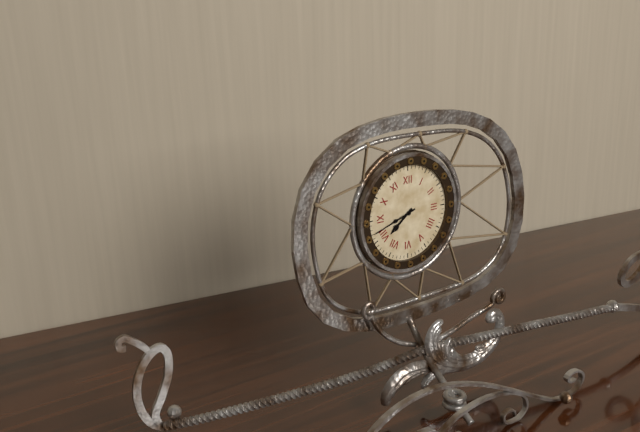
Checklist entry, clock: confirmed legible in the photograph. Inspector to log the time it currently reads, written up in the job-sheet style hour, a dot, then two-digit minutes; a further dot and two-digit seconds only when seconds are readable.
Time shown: 7.42
